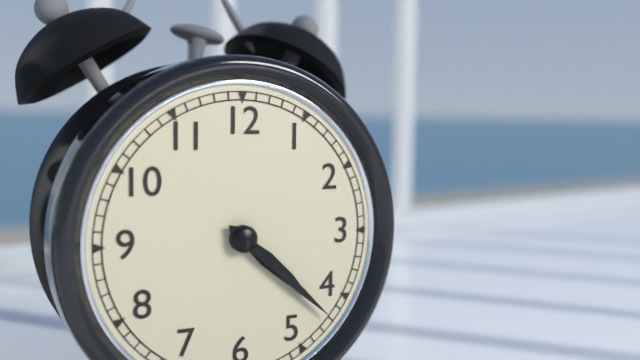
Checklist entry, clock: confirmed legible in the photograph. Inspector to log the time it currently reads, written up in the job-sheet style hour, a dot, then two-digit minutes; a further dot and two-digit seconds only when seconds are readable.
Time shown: 4.22
